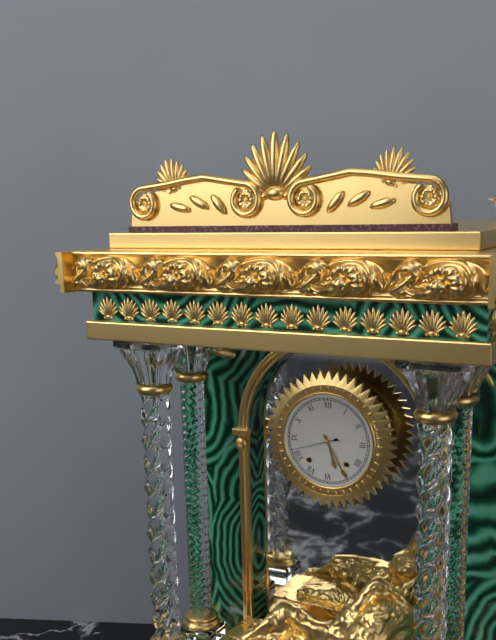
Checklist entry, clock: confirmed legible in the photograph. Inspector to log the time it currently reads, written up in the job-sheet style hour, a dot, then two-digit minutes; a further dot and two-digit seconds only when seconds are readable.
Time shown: 5.25
